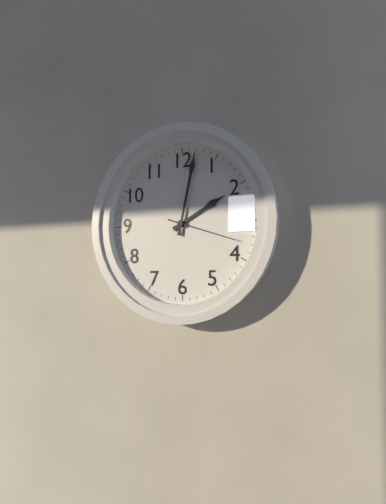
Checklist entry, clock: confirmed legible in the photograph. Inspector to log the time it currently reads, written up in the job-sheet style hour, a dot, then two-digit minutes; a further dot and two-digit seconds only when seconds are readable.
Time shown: 2.02.18
